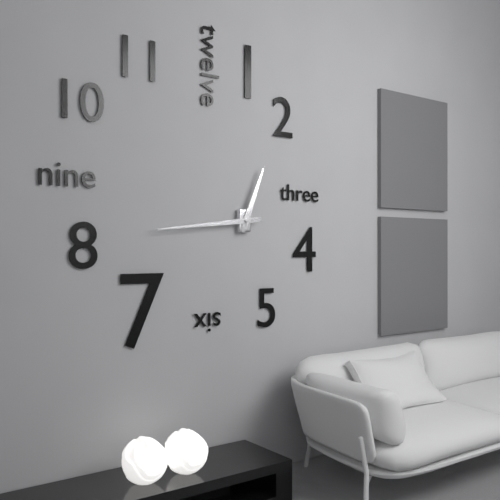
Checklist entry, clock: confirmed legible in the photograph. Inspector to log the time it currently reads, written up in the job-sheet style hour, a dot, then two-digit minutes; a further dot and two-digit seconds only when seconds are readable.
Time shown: 12.44
